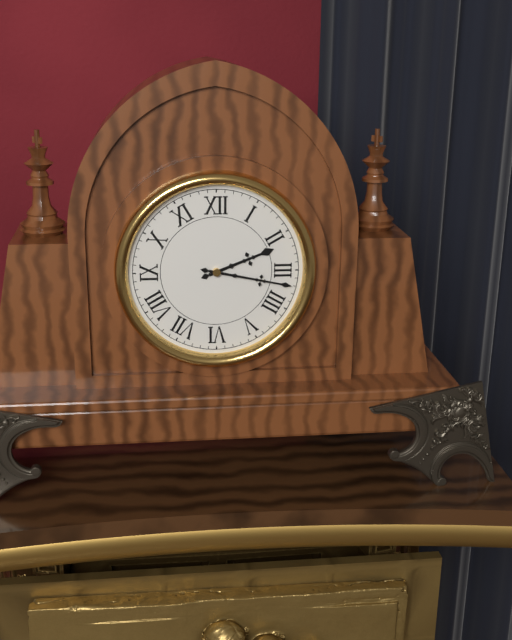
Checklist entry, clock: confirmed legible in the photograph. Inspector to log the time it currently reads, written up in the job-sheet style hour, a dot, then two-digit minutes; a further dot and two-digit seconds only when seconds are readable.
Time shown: 2.17
